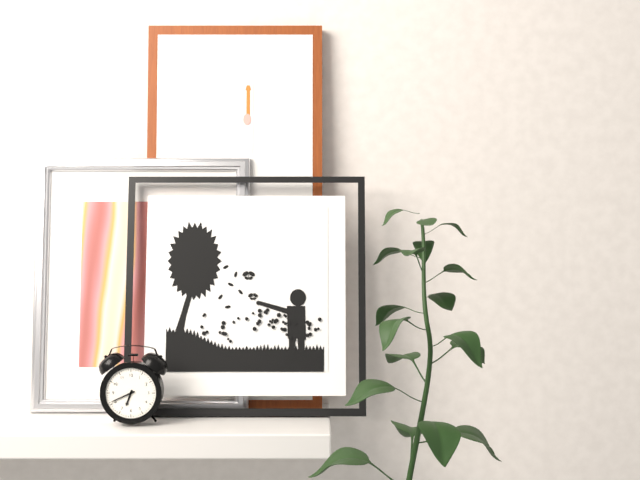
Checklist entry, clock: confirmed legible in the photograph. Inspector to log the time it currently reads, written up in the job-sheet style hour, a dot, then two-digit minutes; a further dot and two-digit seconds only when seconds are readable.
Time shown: 6.41
